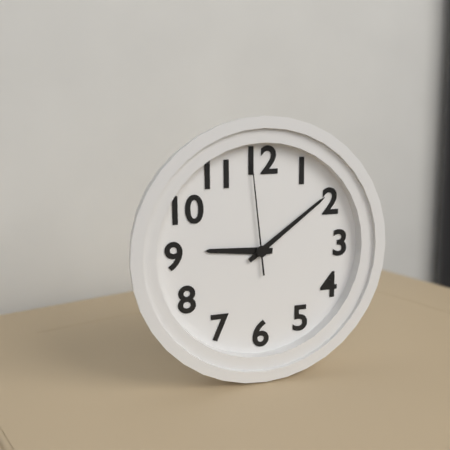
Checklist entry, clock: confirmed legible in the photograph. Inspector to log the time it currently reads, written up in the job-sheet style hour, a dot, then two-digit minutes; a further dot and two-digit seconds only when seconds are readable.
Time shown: 9.09.59
